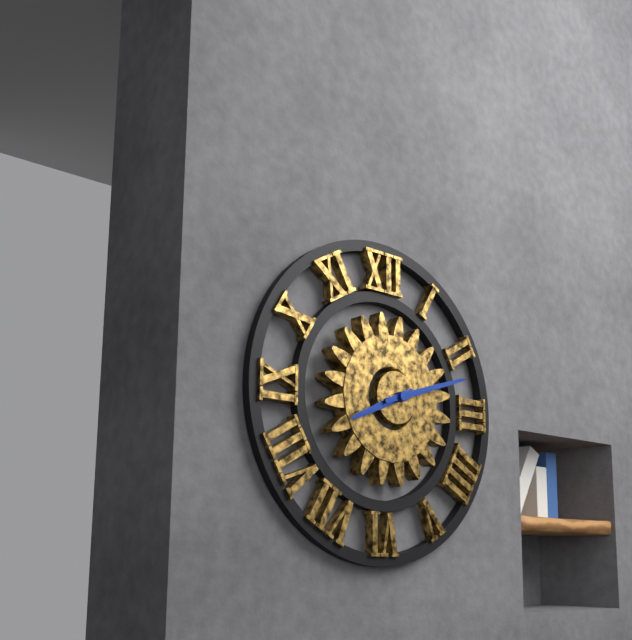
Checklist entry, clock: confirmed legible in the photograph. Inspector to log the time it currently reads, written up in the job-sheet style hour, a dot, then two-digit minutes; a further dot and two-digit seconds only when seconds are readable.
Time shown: 8.12
